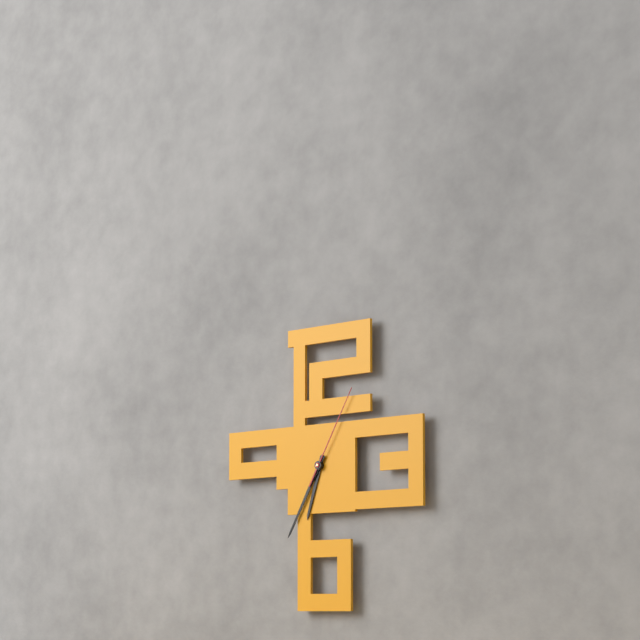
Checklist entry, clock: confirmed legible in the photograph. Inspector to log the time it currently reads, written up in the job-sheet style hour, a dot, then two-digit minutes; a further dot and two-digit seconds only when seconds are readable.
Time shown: 6.35.05
